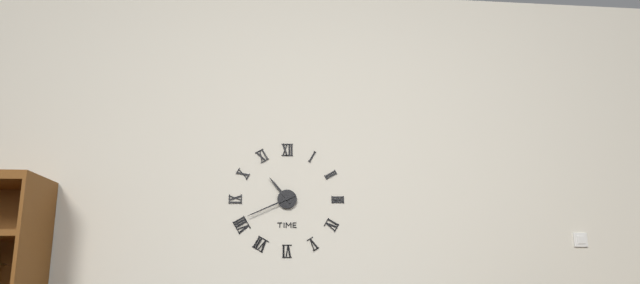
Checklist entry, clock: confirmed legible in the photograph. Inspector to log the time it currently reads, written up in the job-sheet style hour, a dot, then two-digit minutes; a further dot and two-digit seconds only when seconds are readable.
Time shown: 10.41
